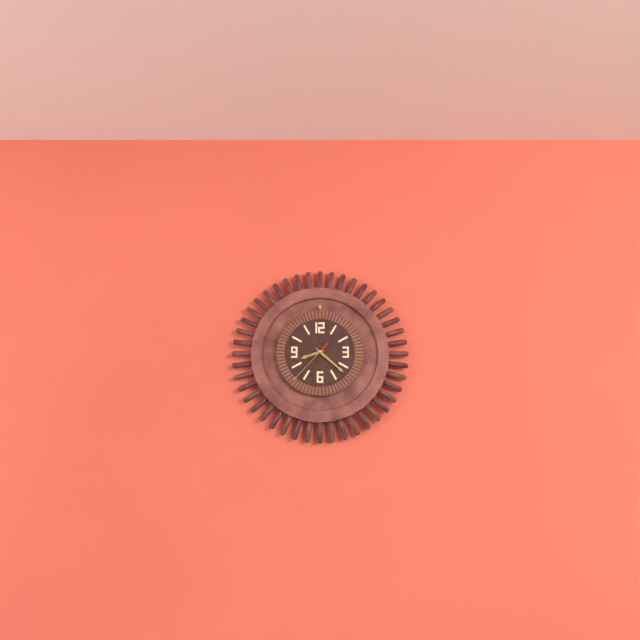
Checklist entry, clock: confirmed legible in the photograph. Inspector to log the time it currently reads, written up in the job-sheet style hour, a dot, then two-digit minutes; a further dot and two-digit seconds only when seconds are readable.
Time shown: 8.22
